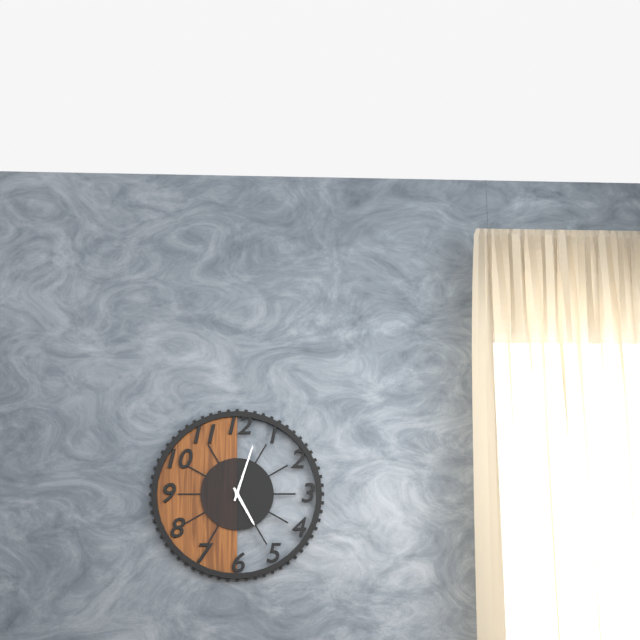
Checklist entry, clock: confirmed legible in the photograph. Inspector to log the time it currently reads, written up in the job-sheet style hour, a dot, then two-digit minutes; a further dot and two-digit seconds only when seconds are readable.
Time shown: 5.03
